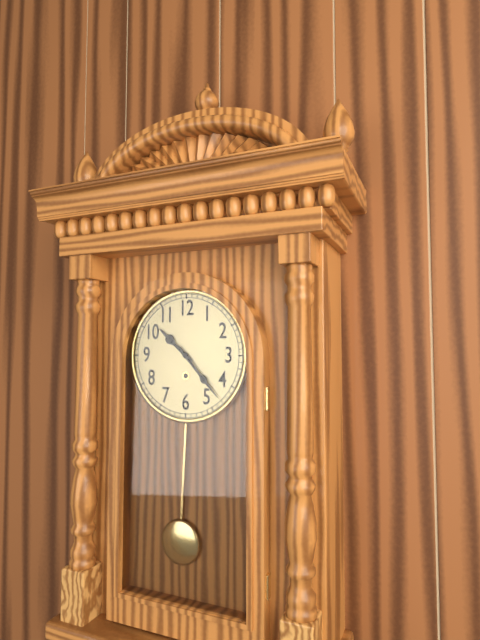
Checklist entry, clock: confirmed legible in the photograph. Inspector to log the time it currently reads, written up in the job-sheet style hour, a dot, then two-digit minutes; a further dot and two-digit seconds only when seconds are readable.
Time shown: 10.23
